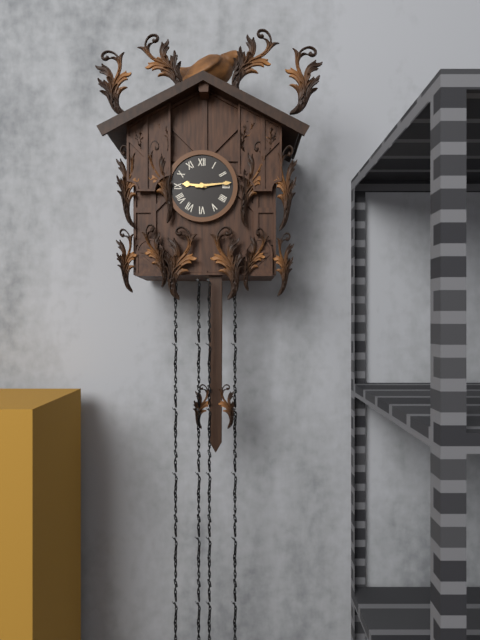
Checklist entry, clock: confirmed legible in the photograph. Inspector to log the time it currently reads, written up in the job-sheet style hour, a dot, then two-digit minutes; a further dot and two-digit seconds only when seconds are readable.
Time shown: 9.14
